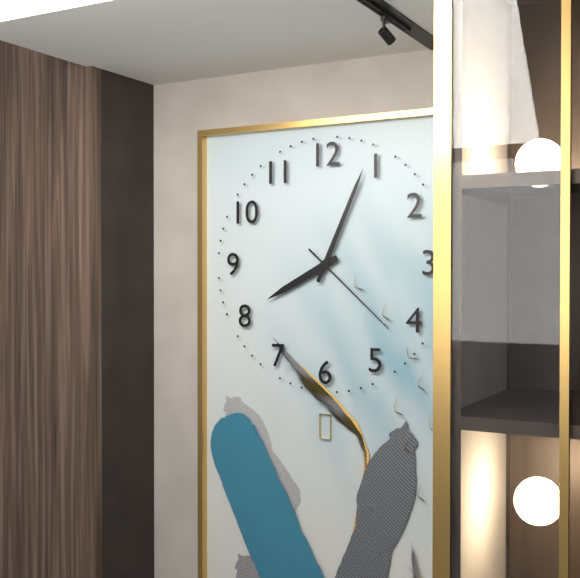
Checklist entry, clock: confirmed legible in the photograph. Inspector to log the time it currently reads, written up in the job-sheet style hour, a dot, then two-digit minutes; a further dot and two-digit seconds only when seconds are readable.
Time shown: 8.04.22
